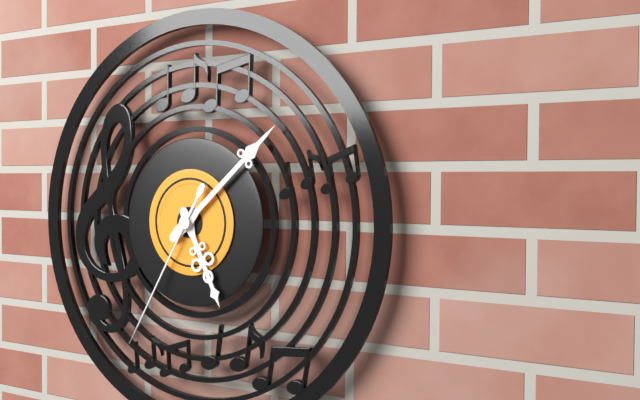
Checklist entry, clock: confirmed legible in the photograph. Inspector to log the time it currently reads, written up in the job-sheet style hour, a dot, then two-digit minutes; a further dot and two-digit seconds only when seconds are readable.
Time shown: 5.08.35
